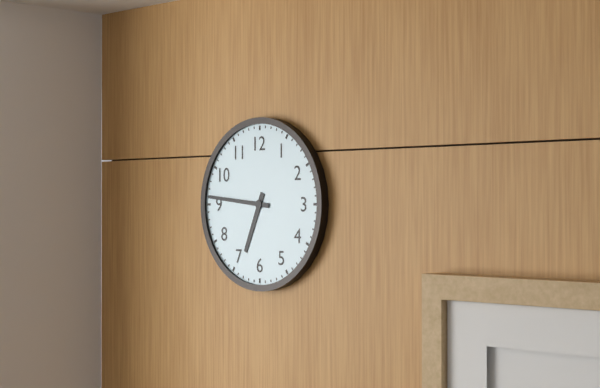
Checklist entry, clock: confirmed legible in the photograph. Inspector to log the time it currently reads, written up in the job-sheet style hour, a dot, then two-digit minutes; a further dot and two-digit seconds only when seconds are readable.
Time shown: 6.46
